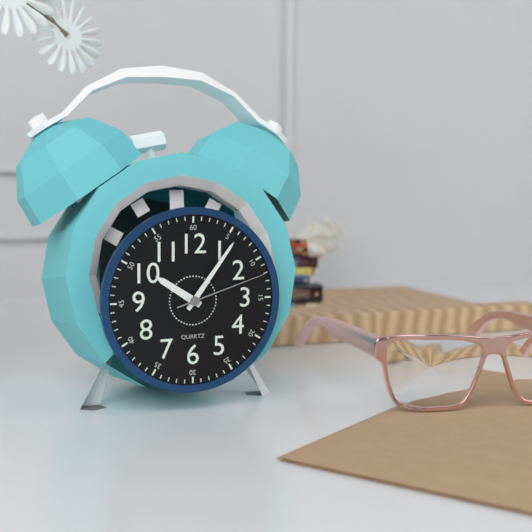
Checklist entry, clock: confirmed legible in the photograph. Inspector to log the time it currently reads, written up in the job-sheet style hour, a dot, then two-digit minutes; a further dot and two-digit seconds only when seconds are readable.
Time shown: 10.06.12
